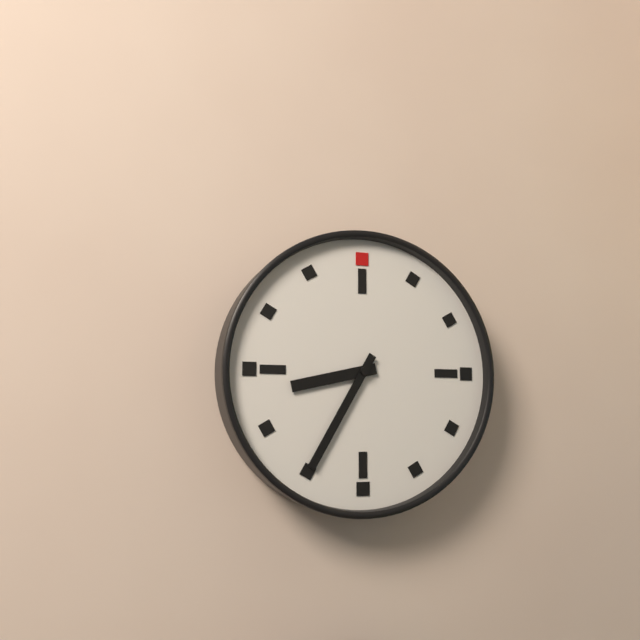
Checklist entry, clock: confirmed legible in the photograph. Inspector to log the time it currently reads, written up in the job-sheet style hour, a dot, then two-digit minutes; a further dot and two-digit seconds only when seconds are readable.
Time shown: 8.35
